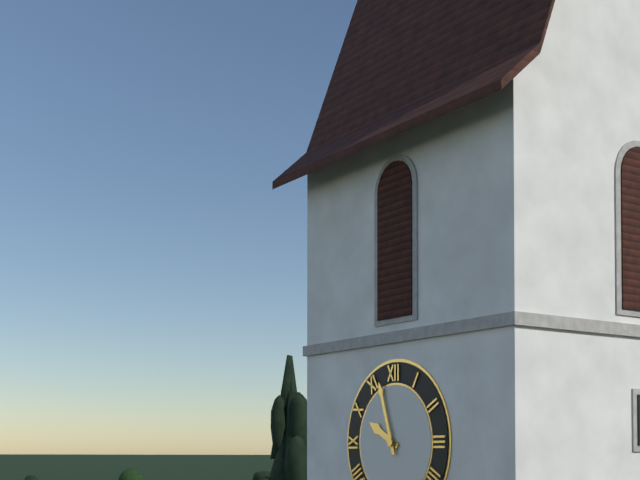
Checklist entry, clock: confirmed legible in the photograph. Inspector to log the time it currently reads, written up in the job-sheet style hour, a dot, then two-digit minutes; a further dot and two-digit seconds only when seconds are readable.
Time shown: 9.57
